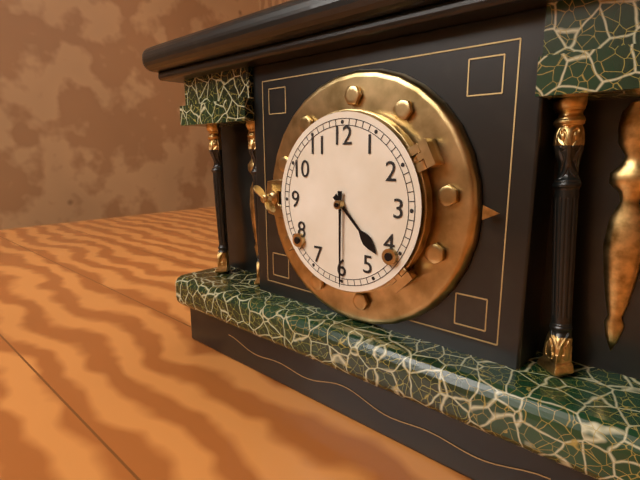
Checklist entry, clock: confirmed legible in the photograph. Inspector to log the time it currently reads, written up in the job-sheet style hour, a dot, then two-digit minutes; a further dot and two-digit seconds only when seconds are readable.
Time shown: 4.30
